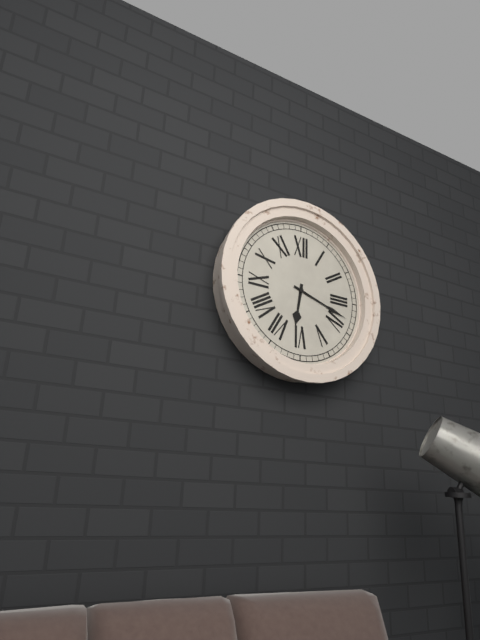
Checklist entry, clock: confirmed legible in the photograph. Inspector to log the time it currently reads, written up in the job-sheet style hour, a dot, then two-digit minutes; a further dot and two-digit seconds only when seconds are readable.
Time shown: 6.18
